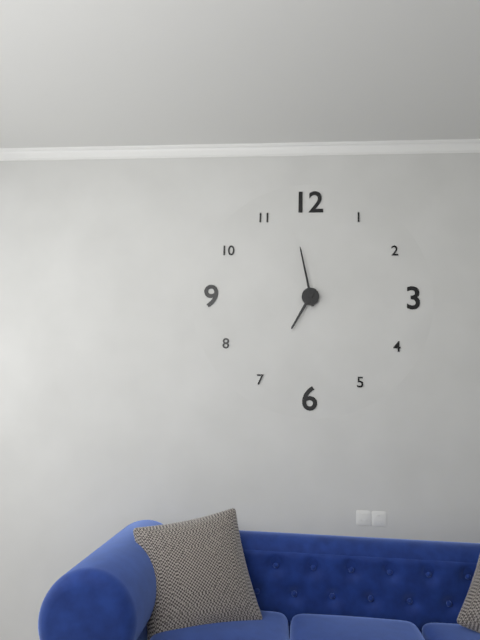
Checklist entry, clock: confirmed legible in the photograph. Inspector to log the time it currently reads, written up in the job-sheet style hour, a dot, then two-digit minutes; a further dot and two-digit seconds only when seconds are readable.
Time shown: 6.58
